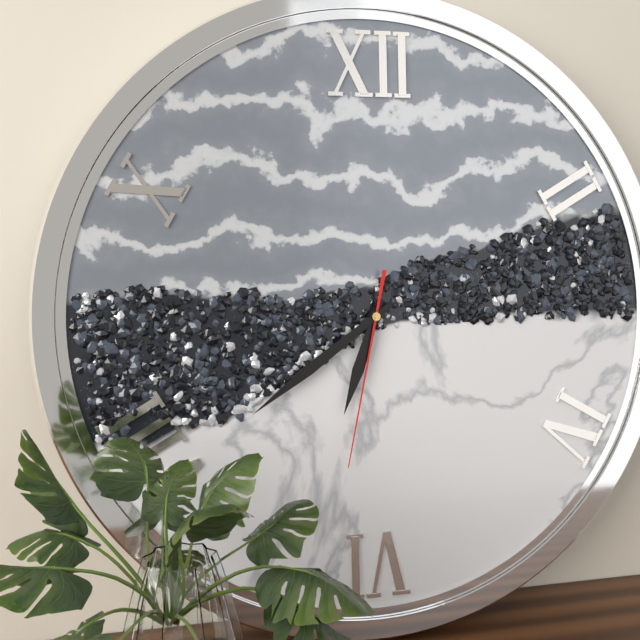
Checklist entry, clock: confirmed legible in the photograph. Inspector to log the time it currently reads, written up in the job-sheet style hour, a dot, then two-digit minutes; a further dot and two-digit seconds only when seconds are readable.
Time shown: 6.39.32
